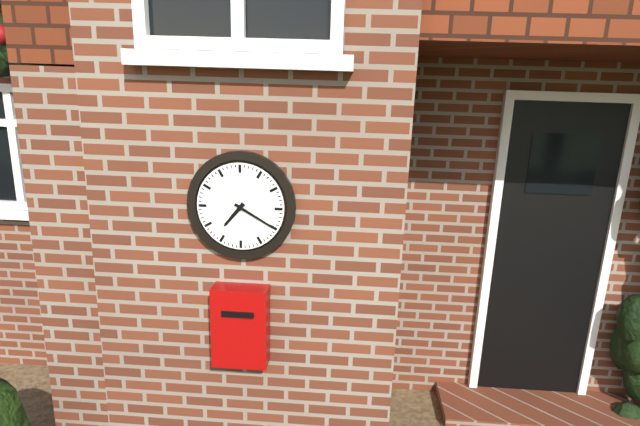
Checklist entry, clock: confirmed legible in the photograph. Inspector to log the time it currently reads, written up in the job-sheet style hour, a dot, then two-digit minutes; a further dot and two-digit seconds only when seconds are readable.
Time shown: 7.20
